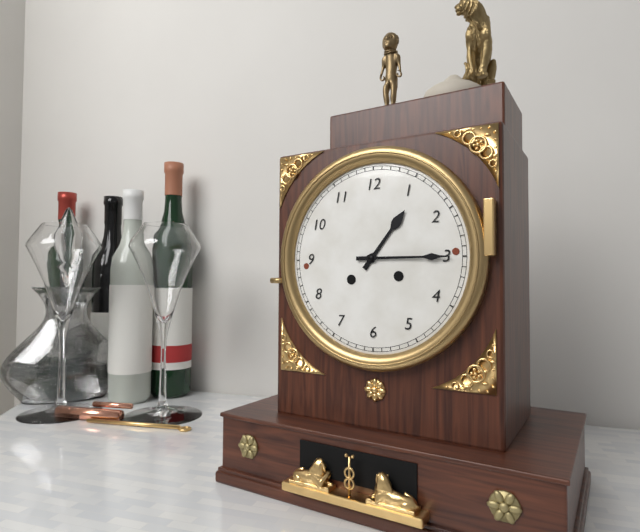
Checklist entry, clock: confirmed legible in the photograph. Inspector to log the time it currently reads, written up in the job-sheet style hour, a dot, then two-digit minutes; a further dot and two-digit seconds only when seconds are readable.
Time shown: 1.15
